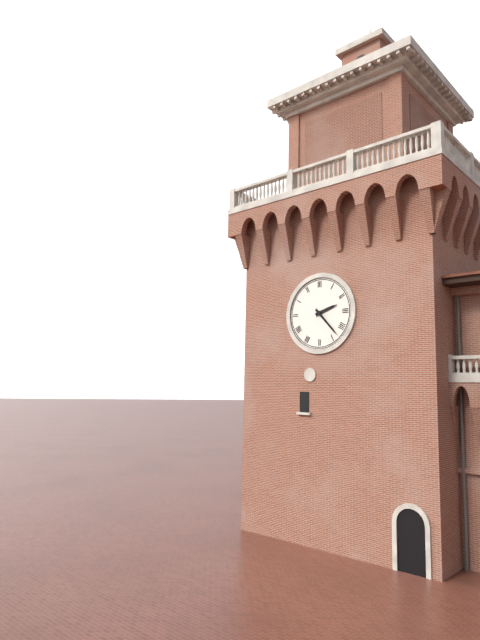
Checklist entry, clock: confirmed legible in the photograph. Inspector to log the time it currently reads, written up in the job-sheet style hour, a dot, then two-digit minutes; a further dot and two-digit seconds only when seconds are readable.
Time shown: 2.23
